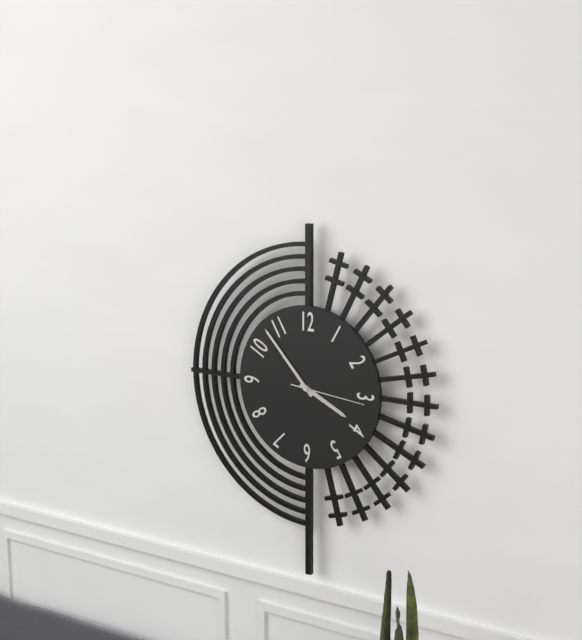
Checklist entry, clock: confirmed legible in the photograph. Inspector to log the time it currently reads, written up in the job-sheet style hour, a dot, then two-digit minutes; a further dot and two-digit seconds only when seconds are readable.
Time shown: 3.53.16
